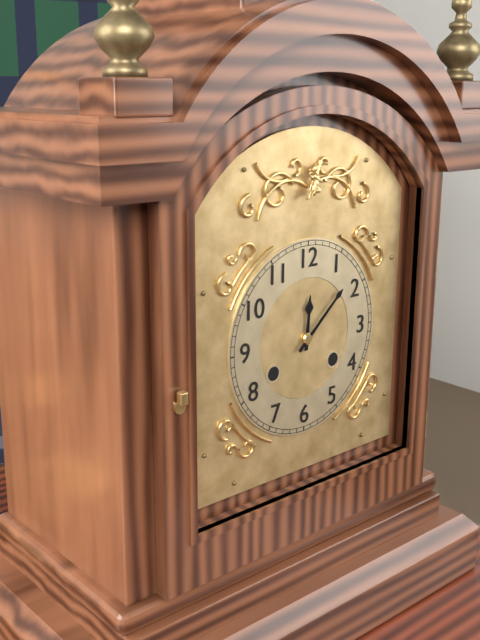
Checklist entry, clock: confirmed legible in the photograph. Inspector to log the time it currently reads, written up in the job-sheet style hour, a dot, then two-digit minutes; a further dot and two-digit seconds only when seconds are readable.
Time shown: 12.08
